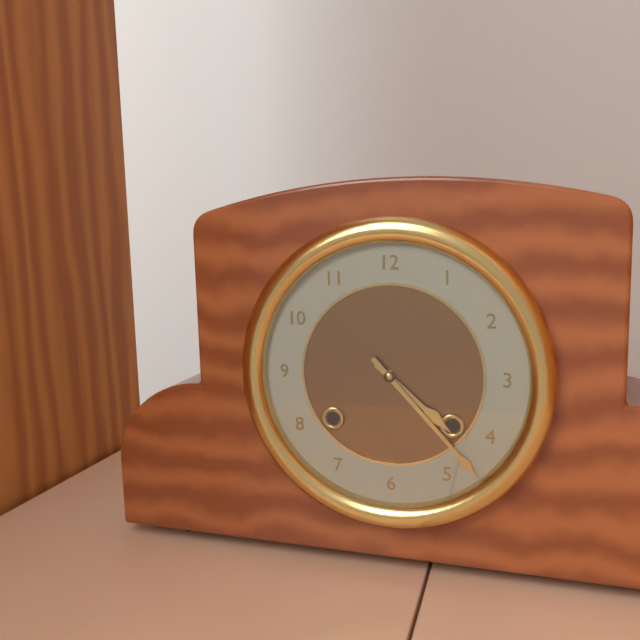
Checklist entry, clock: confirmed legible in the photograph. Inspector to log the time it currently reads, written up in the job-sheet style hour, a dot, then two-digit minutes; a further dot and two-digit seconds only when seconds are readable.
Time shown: 4.23
